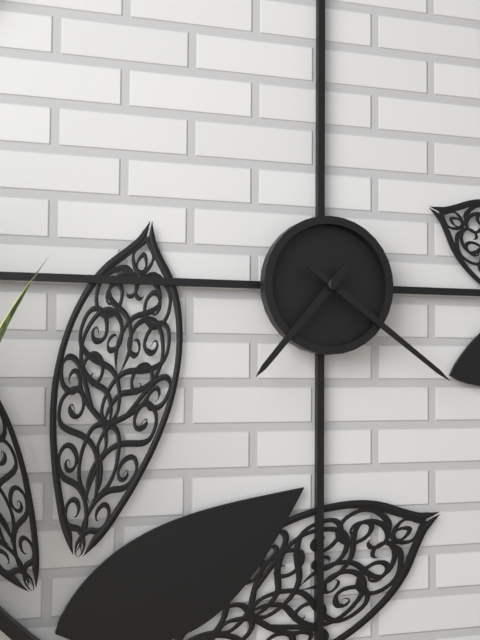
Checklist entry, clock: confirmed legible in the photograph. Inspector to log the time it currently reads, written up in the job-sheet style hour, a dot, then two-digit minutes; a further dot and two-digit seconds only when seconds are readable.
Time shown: 7.21
